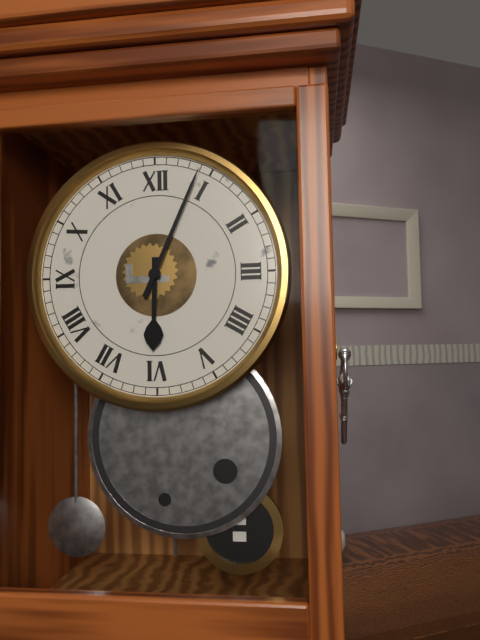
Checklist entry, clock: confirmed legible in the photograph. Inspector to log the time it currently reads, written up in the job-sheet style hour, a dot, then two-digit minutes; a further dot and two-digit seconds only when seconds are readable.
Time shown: 6.04
